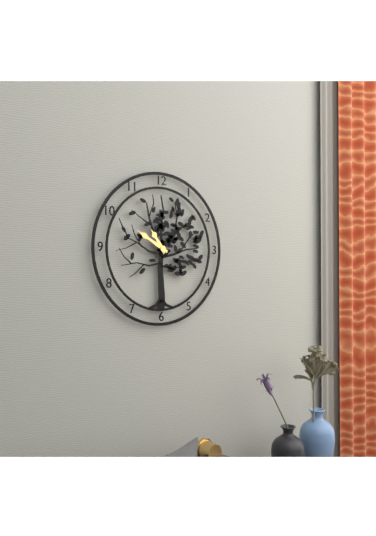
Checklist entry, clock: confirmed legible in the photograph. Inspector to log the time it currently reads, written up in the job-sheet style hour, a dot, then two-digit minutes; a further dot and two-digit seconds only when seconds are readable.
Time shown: 10.50
